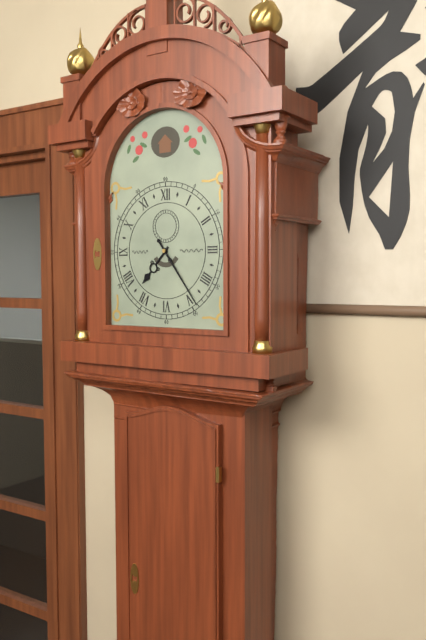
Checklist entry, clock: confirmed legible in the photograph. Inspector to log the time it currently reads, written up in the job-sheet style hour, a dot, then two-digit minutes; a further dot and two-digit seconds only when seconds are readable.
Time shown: 7.24
